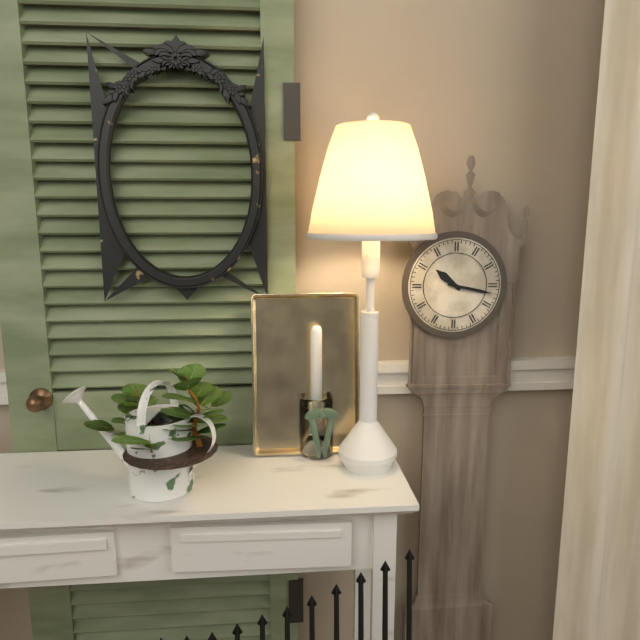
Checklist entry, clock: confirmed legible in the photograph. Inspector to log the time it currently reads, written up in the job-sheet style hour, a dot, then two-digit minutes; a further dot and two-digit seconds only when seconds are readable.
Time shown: 10.17
